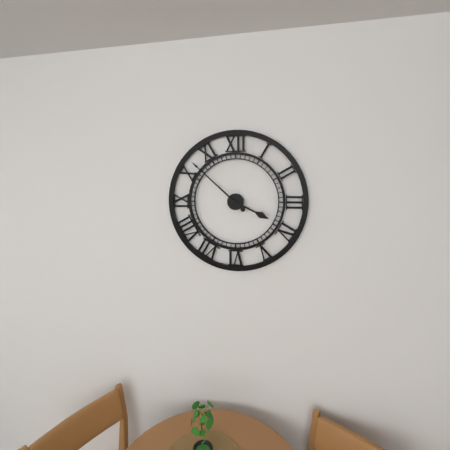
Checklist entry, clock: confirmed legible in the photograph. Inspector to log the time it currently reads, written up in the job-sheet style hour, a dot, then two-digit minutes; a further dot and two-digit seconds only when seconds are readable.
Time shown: 3.52
